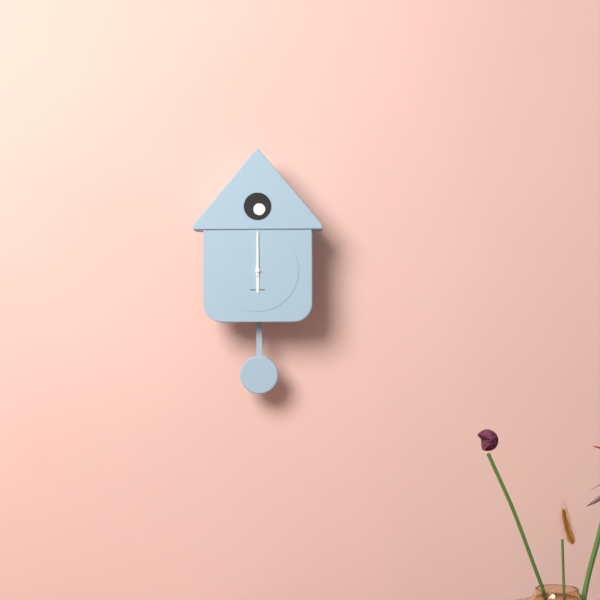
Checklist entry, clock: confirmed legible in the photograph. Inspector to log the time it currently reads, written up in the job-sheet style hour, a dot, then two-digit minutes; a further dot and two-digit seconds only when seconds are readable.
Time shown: 6.00
